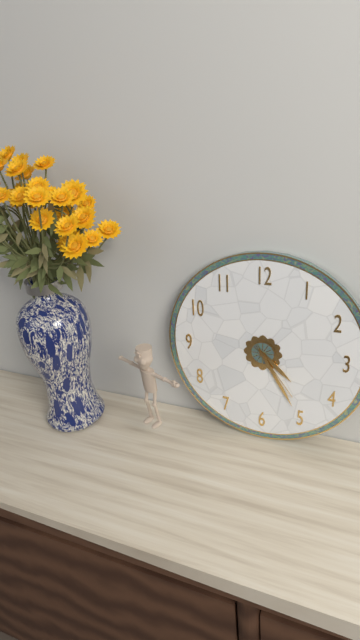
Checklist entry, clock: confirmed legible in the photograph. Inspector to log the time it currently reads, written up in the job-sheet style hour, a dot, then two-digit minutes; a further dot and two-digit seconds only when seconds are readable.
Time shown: 4.25.24
